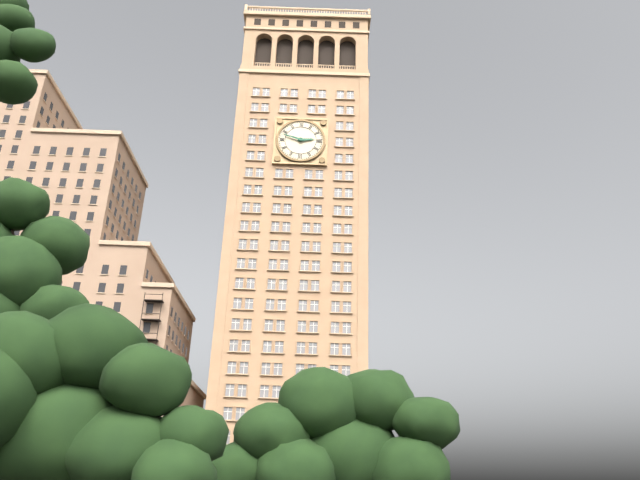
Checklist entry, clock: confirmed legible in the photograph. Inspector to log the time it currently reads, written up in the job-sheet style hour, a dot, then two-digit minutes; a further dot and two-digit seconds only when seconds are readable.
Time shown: 2.48
